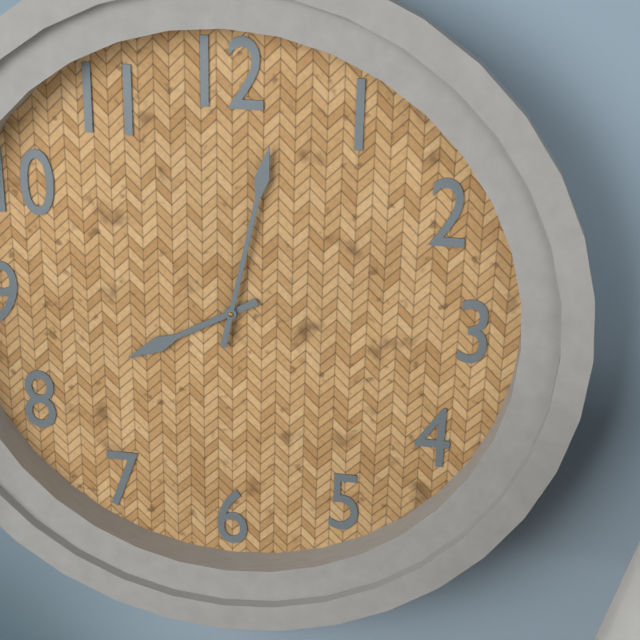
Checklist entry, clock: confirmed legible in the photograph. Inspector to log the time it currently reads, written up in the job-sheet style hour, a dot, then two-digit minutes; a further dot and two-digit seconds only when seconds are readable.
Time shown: 8.02
